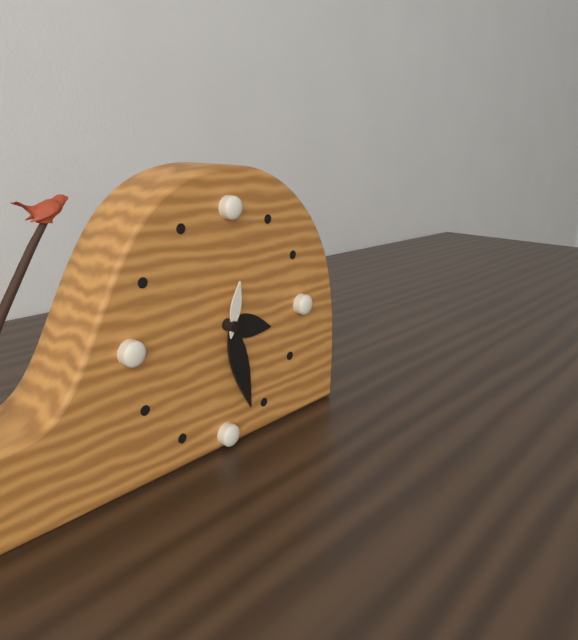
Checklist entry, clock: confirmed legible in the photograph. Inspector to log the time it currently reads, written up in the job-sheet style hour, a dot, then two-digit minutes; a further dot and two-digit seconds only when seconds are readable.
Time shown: 3.27.02
